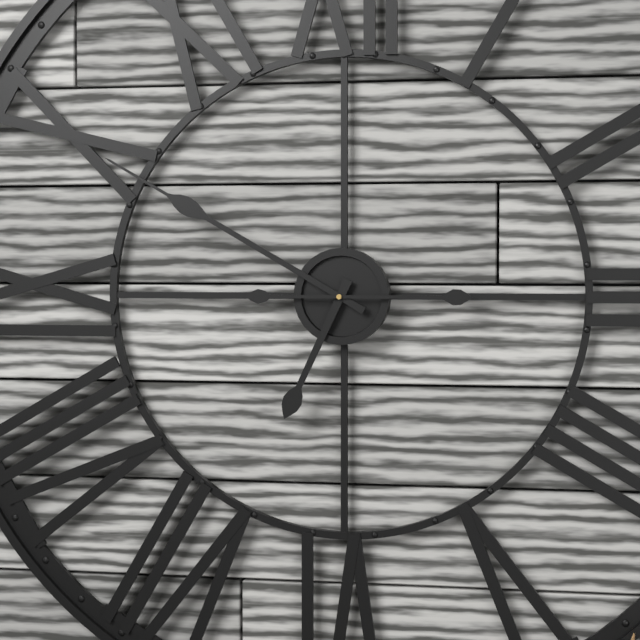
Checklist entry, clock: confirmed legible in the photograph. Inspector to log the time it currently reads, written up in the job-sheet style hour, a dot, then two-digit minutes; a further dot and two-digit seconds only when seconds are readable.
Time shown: 6.50.15
